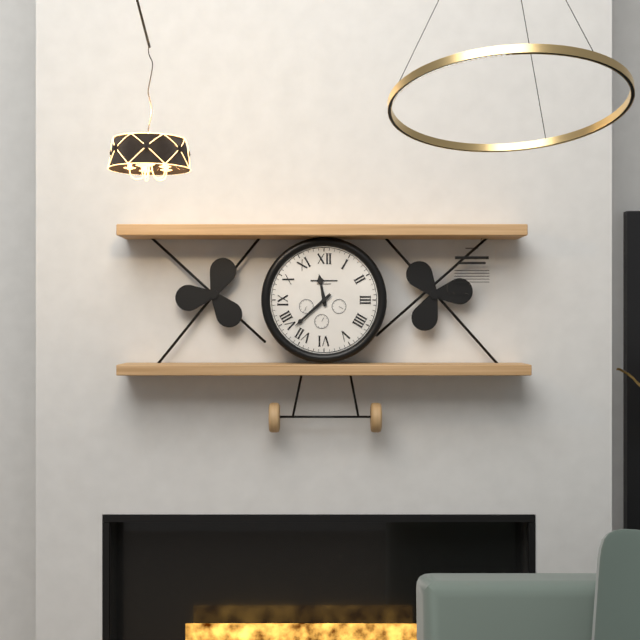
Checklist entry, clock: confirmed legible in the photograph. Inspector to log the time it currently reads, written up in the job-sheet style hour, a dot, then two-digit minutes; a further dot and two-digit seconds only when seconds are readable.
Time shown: 11.38
